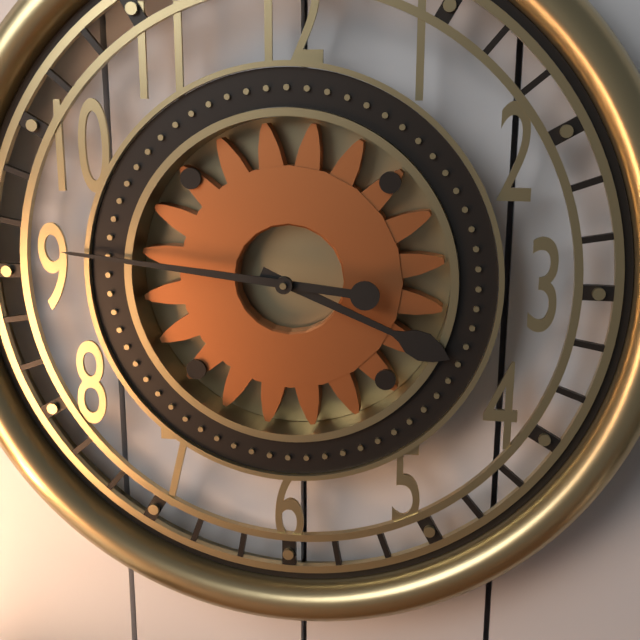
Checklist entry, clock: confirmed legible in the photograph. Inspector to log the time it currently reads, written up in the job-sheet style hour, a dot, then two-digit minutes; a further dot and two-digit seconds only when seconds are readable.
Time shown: 3.46
